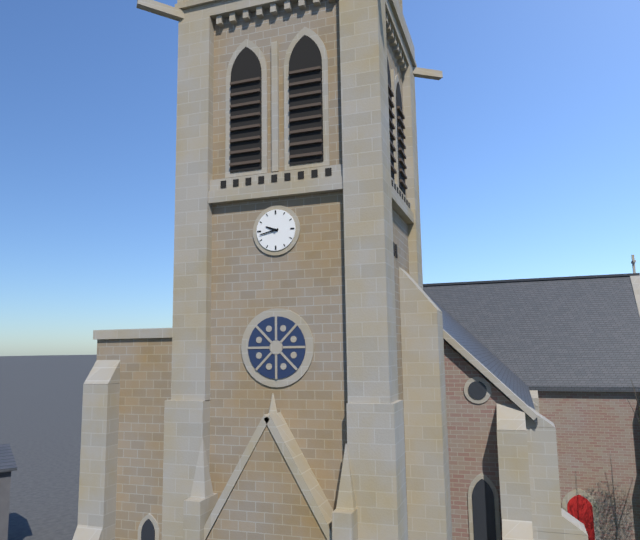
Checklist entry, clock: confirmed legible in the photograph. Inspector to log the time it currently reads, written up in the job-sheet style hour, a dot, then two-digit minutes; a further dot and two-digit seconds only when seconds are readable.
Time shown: 9.43
